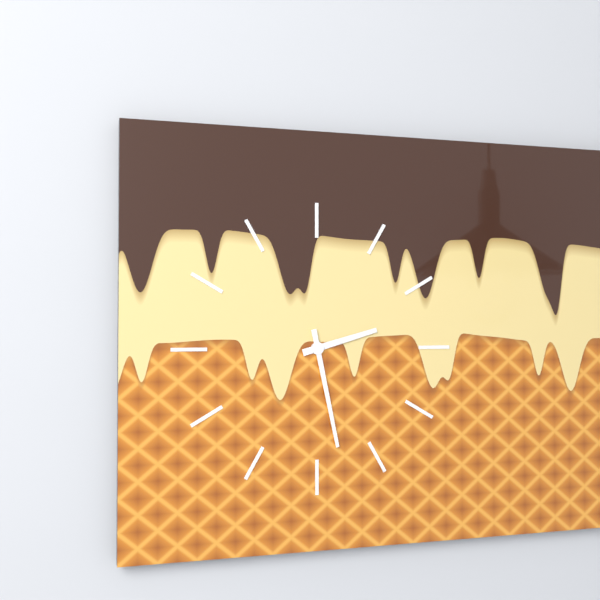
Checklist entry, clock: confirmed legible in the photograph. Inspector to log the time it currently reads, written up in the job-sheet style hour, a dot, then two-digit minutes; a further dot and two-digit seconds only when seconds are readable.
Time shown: 2.28
